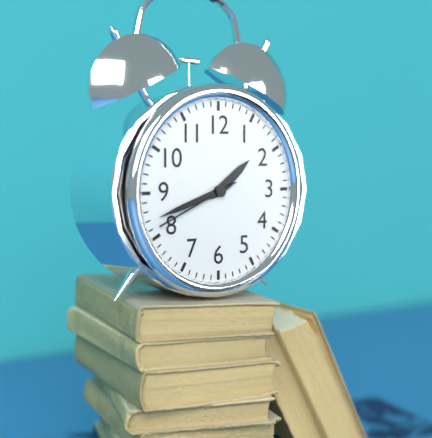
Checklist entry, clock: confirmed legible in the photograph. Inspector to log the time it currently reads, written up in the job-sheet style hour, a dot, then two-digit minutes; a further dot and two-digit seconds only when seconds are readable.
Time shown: 1.42.41
